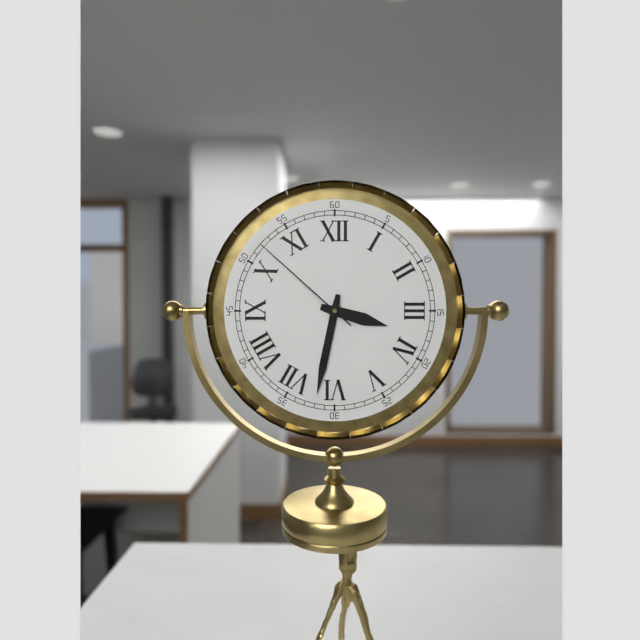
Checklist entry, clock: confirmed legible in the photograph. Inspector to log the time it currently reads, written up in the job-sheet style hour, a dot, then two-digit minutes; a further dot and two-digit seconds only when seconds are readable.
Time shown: 3.32.52
